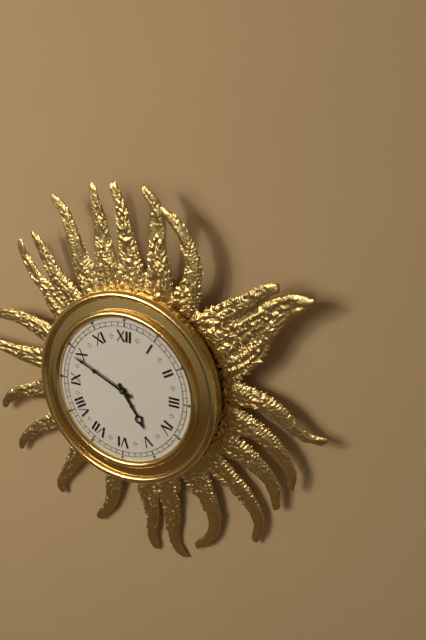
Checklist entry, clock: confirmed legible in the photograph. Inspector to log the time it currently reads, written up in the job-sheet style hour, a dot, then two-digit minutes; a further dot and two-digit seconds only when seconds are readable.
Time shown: 4.49
